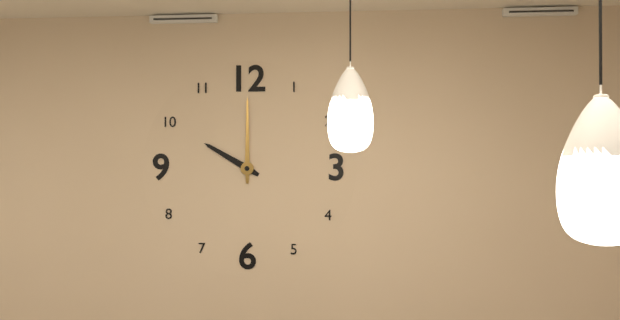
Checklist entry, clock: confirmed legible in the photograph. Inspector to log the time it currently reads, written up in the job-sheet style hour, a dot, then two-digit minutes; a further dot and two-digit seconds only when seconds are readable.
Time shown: 10.00
